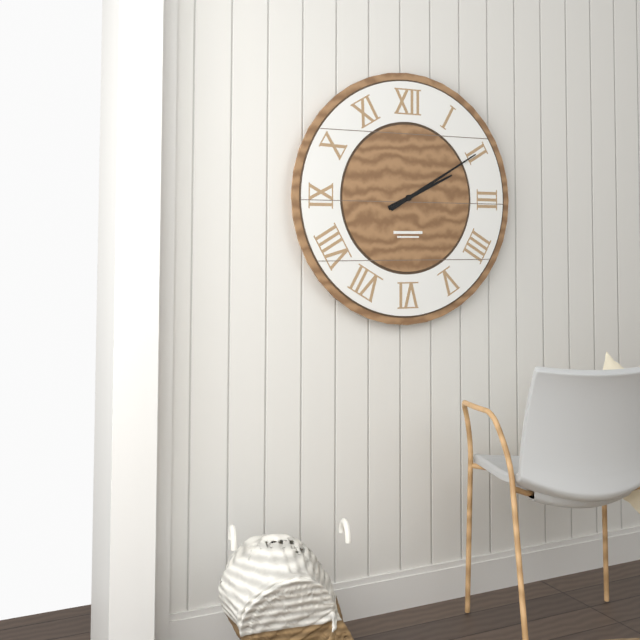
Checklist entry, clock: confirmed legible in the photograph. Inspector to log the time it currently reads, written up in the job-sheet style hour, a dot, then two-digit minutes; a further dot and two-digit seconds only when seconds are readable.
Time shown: 2.10
